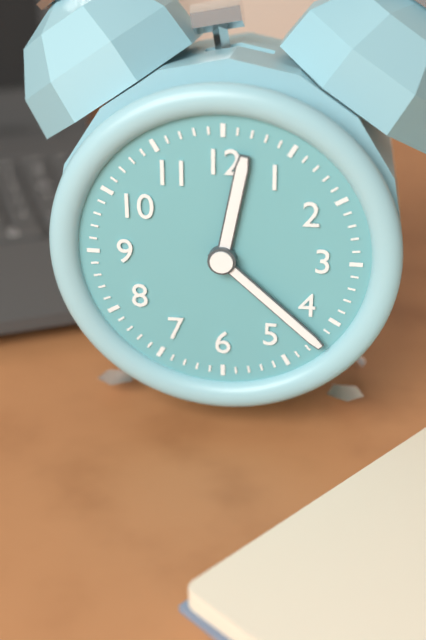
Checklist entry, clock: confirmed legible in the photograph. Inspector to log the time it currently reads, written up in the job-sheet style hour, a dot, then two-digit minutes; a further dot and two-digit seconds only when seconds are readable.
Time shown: 12.22
